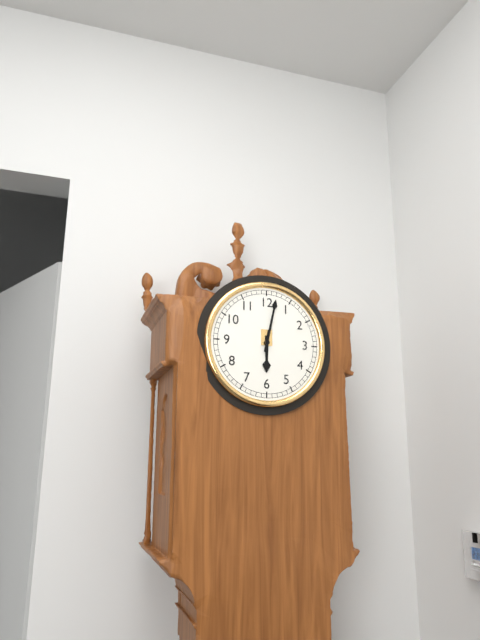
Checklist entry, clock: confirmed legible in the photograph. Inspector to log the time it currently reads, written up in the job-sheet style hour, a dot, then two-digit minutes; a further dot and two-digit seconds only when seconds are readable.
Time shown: 6.02
